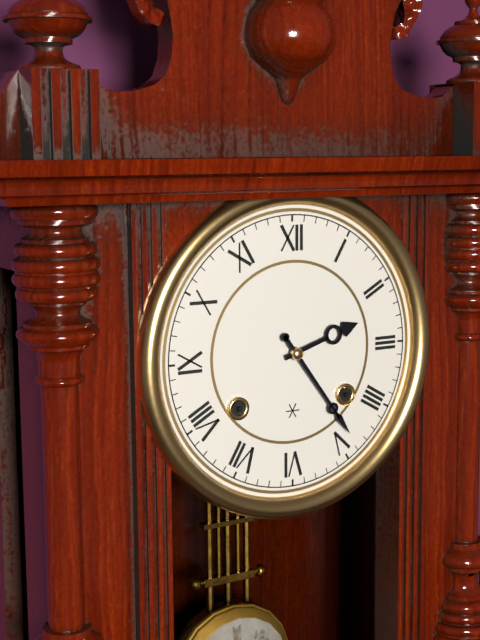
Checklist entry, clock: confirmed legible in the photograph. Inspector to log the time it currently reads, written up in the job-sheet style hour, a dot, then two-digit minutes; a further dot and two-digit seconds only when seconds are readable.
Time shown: 2.24
